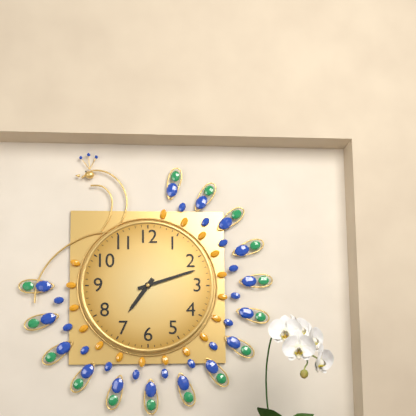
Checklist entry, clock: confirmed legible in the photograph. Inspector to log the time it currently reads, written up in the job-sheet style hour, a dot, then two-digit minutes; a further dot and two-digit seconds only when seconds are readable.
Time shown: 7.12
